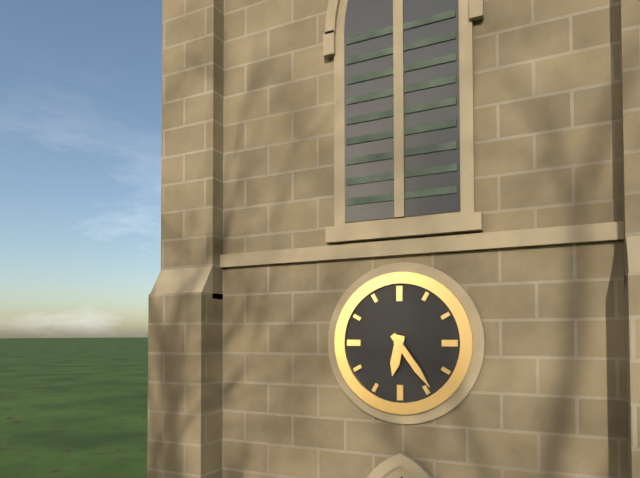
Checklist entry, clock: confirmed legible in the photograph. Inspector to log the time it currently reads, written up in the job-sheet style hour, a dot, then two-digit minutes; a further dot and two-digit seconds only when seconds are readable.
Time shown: 6.24
